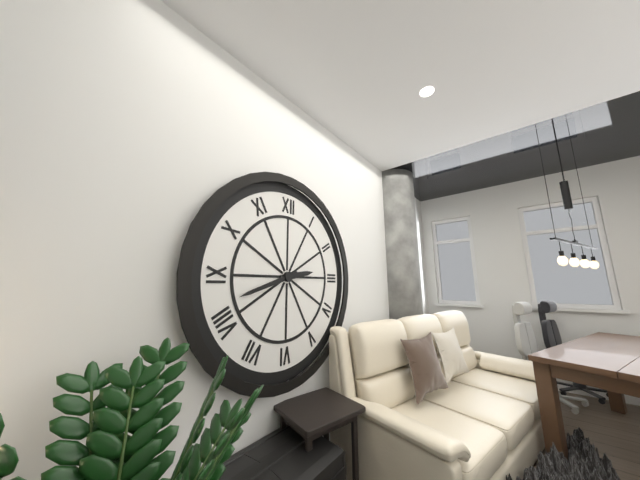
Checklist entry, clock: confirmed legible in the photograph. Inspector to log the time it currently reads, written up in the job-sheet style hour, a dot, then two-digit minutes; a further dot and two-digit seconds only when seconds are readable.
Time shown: 2.42
